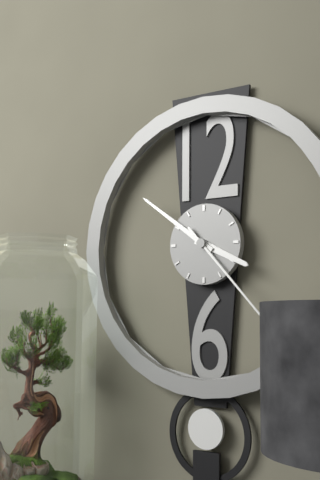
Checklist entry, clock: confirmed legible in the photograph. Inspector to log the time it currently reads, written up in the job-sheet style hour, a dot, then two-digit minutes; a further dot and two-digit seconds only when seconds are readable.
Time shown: 3.51.23
